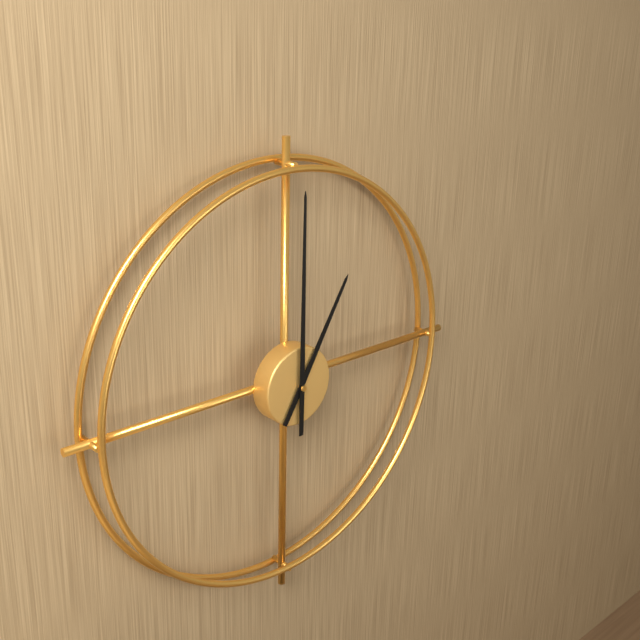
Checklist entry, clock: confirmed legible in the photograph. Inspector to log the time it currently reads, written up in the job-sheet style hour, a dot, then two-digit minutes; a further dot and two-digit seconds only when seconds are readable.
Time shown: 1.00
